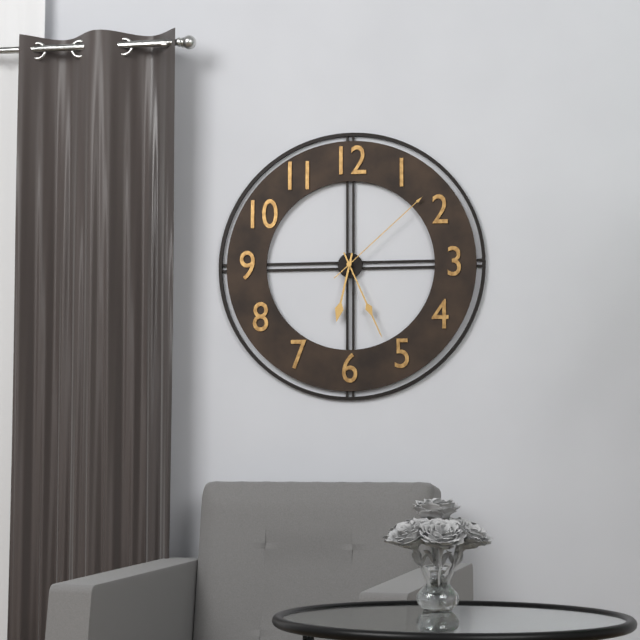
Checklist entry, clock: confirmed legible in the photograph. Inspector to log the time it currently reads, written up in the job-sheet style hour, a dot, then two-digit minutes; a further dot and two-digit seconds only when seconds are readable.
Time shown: 6.26.08
